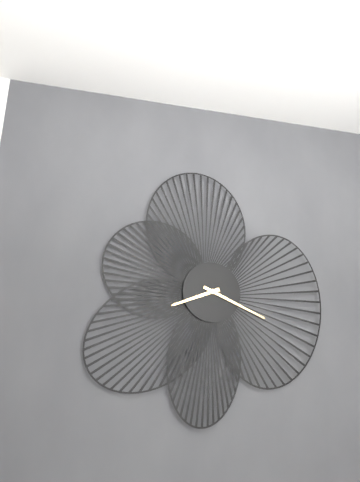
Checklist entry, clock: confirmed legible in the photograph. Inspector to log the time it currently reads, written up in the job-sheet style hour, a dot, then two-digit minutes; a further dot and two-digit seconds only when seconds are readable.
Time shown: 8.19
